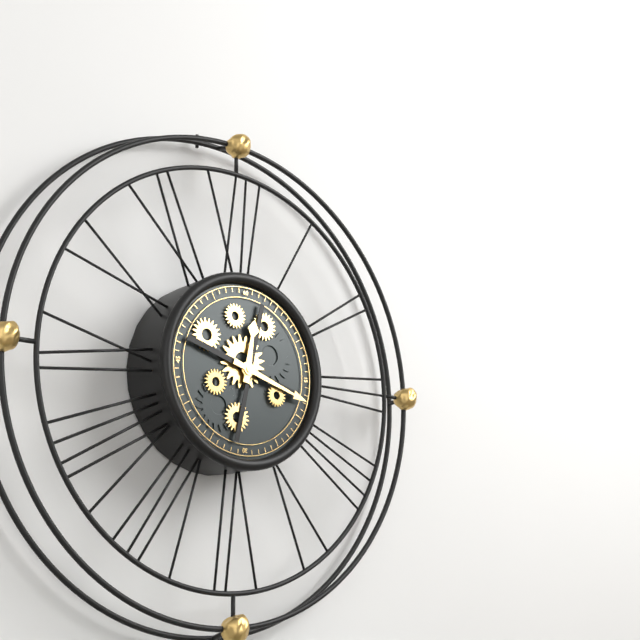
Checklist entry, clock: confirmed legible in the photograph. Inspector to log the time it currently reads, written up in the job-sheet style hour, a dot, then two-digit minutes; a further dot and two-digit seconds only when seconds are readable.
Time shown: 12.18
